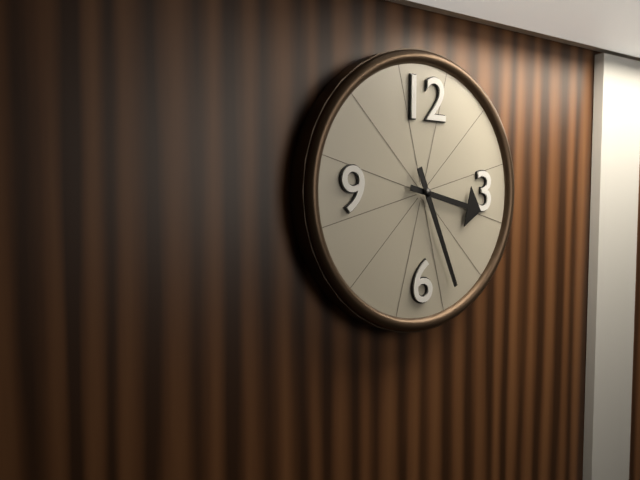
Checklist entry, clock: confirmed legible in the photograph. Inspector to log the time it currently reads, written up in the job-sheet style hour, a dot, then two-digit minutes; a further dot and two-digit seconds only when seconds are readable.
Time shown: 3.26
